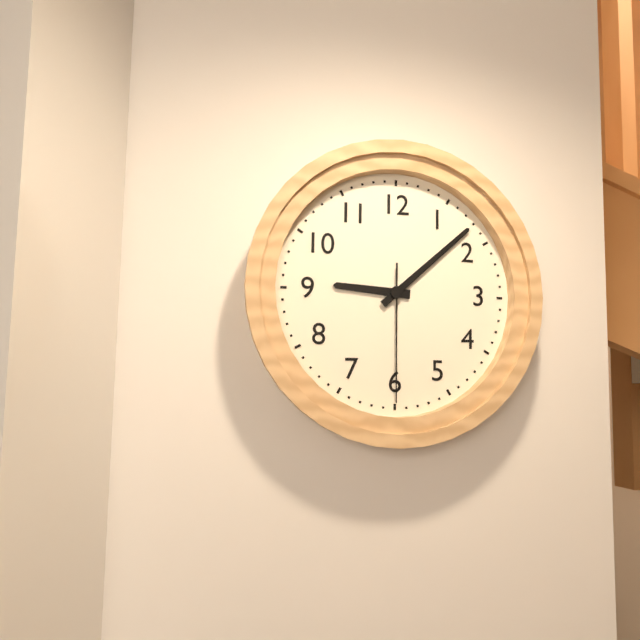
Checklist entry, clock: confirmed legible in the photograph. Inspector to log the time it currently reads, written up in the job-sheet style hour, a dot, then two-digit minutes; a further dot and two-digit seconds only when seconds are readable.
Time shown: 9.08.30
